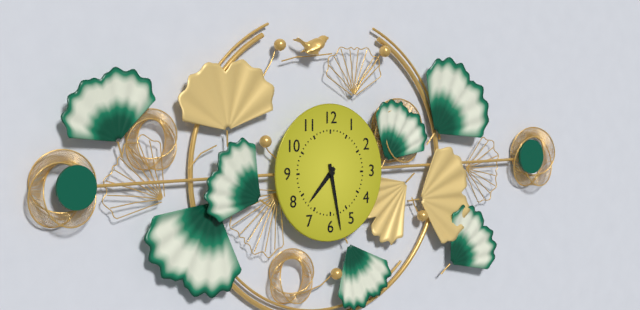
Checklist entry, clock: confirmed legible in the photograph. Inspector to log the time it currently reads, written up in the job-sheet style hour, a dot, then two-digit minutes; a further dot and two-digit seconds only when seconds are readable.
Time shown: 7.28
